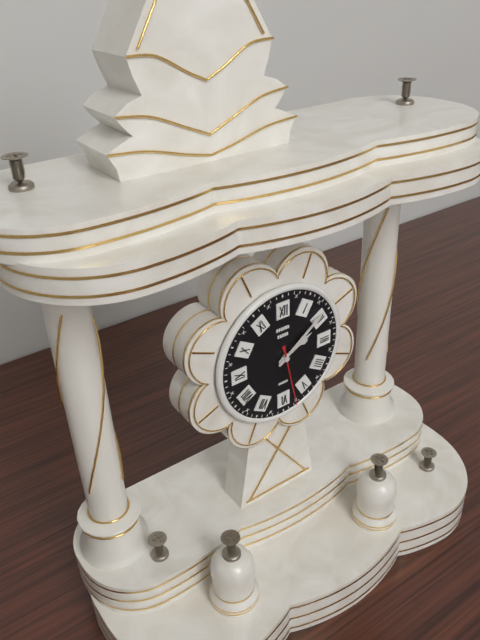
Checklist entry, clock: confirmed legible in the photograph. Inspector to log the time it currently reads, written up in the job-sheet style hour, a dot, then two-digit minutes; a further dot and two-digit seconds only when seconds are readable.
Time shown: 2.09.28
